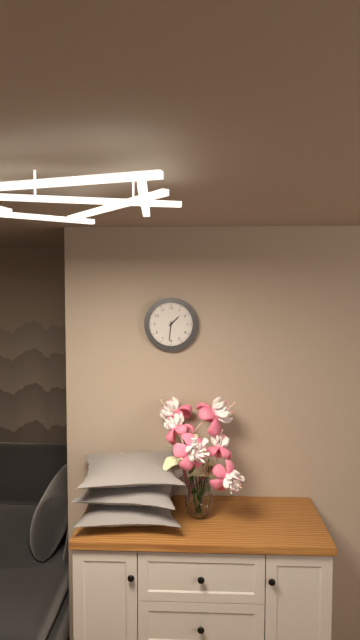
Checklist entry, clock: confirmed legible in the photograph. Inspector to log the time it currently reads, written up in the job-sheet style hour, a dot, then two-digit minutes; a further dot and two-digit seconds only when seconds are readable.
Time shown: 1.31
